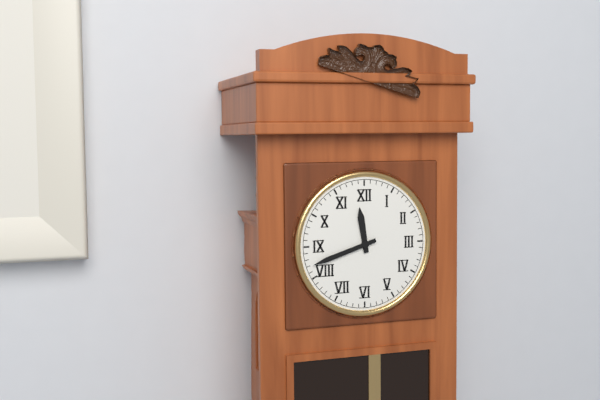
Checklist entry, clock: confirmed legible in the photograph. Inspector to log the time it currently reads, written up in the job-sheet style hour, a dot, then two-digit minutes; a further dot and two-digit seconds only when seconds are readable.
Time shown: 11.42
